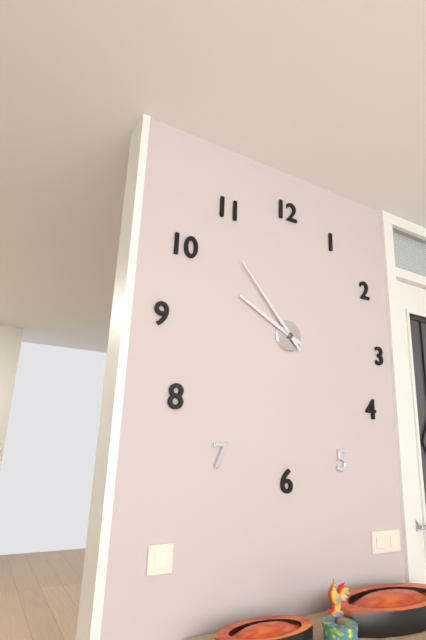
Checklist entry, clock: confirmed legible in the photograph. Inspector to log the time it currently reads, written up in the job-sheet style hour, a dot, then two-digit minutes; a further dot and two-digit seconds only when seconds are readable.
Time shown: 9.53
